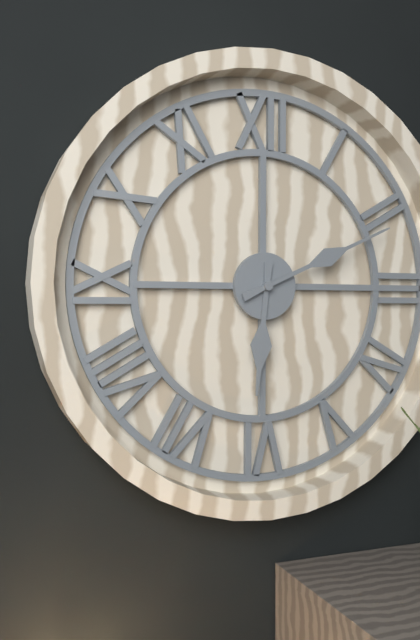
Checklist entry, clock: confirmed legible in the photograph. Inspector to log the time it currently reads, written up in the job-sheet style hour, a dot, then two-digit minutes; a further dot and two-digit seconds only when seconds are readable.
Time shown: 6.11
